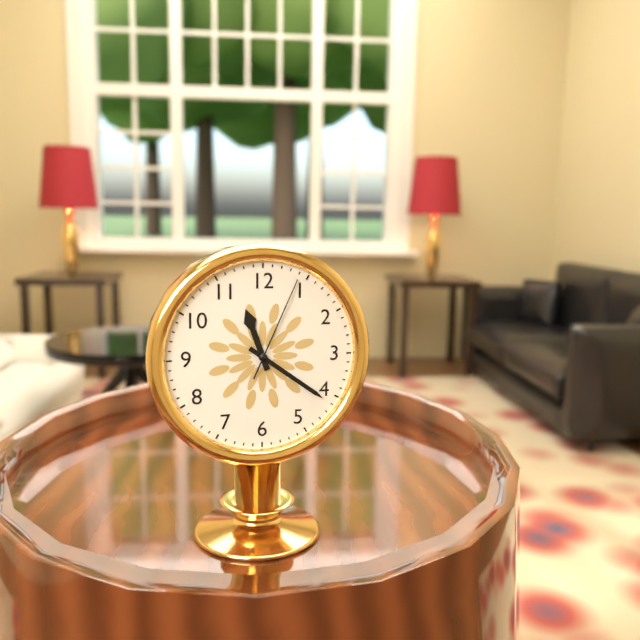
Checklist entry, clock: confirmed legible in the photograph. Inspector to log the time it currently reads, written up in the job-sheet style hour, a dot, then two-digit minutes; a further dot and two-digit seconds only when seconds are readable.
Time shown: 11.21.04
